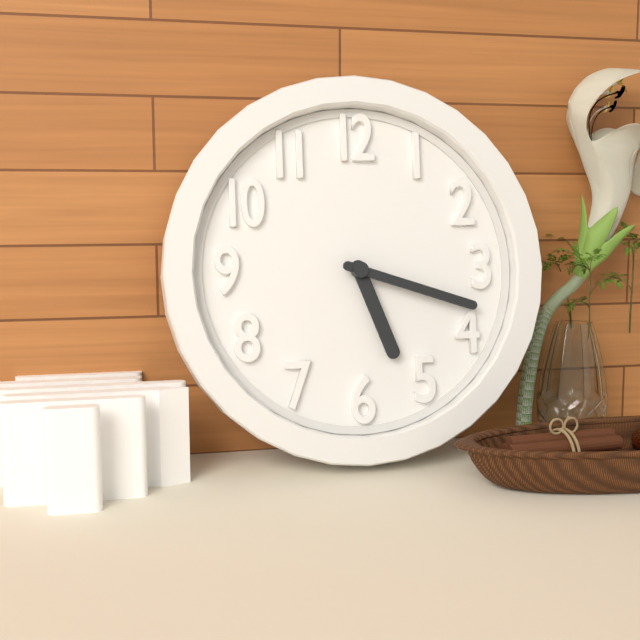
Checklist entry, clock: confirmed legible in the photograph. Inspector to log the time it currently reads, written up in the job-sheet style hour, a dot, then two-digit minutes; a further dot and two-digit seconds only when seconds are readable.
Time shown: 5.18
